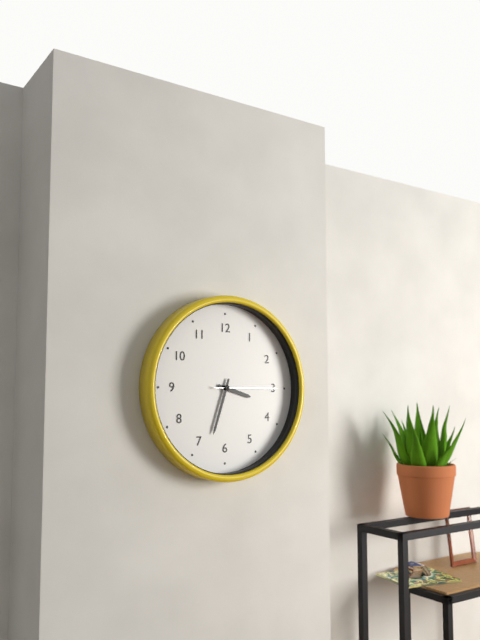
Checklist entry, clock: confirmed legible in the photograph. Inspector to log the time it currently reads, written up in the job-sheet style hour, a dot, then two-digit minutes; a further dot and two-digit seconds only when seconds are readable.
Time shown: 3.33.15
